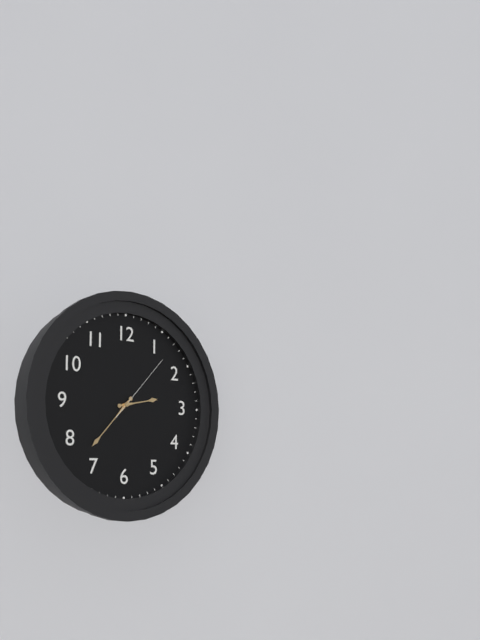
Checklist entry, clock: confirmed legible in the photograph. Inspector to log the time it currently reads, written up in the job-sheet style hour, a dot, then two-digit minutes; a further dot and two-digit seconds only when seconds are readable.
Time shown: 2.37.07
